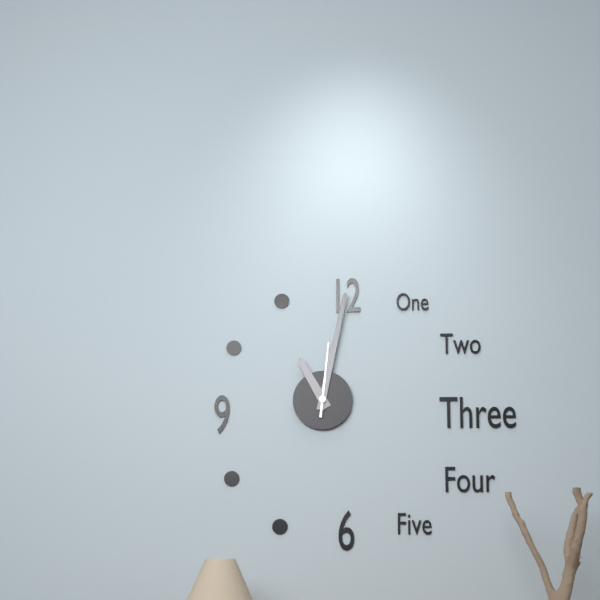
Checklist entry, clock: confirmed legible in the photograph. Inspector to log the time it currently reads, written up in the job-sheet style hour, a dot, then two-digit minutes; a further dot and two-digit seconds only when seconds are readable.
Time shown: 11.02.01
